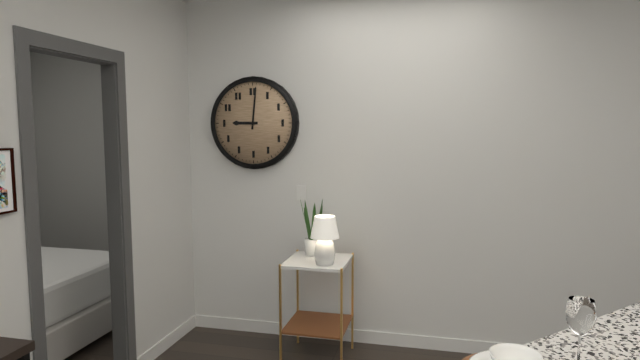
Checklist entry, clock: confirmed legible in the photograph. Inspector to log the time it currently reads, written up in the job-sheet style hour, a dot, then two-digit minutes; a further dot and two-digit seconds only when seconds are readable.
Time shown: 9.01
